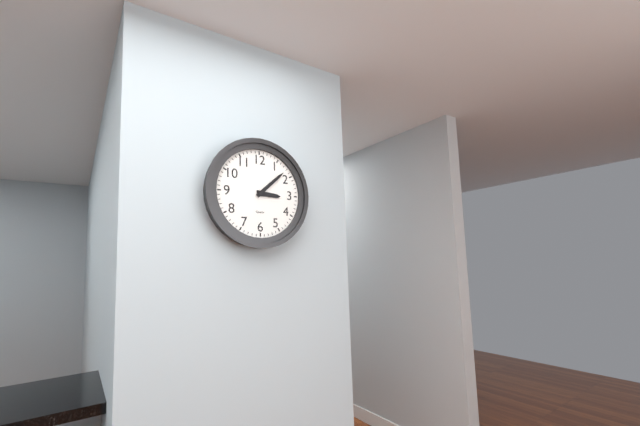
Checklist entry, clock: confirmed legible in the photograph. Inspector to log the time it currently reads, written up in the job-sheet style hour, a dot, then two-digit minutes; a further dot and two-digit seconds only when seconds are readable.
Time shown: 3.08
